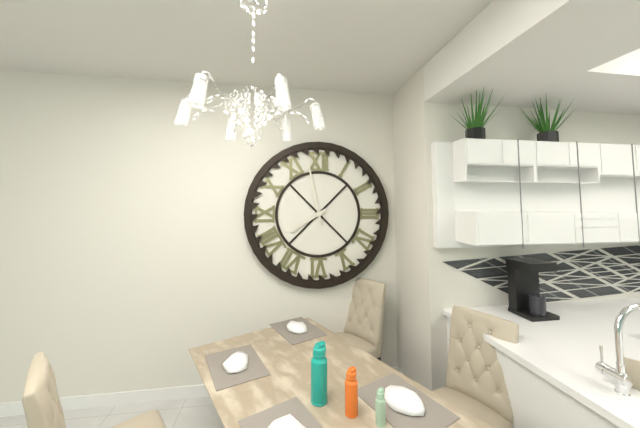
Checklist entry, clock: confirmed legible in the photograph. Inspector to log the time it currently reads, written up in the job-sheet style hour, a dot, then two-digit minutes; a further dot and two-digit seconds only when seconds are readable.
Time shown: 7.58
